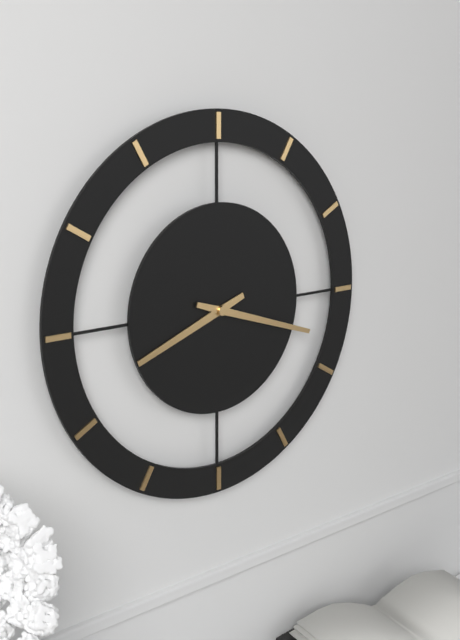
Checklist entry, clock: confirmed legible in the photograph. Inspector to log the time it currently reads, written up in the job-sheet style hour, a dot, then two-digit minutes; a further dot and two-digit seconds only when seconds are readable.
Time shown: 8.18
